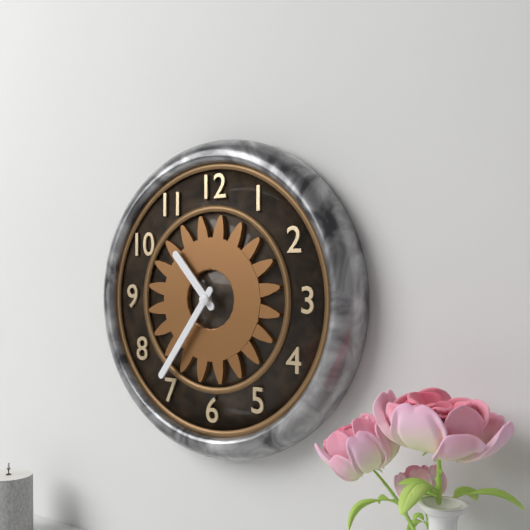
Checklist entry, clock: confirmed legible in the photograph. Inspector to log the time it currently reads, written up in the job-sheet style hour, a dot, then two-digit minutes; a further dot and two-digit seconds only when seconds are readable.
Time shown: 10.36
